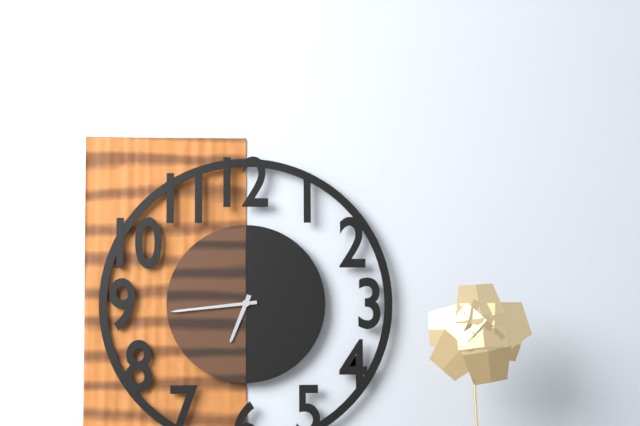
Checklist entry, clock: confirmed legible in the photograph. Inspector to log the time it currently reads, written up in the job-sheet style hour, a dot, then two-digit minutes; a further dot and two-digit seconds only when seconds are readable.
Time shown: 6.44
